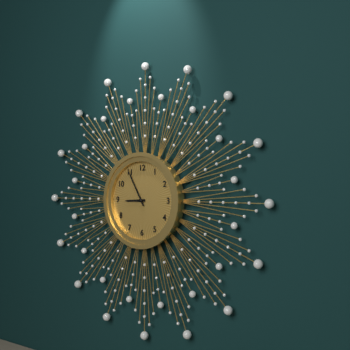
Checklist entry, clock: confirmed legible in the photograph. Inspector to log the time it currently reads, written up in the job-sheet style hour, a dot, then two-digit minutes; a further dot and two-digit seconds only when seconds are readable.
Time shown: 8.55
